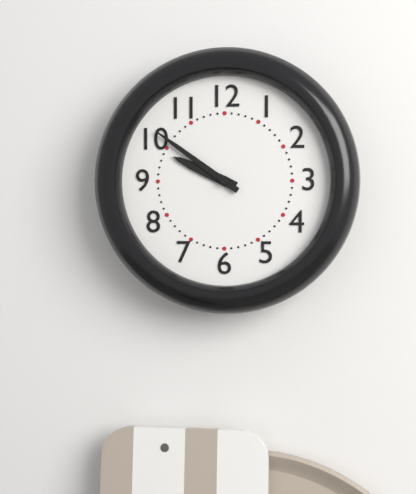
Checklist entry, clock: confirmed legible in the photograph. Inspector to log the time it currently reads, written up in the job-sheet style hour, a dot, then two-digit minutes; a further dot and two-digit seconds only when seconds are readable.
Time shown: 9.51
